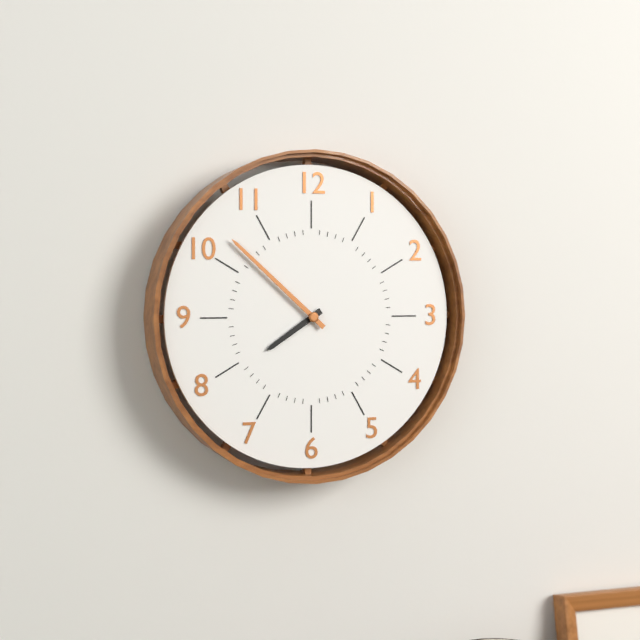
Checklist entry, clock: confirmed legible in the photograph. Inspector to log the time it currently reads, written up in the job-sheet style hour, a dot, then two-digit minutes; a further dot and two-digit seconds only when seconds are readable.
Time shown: 7.52
